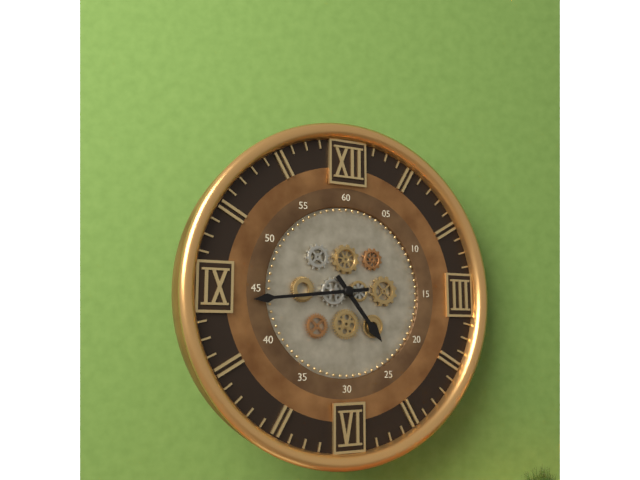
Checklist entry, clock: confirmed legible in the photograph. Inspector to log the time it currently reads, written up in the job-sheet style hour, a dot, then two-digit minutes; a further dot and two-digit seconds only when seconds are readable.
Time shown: 4.44
